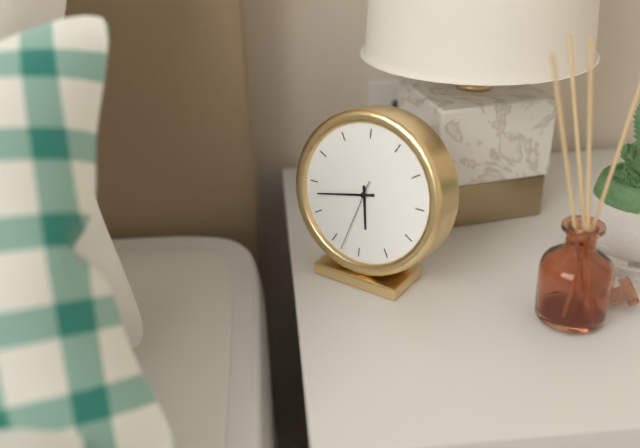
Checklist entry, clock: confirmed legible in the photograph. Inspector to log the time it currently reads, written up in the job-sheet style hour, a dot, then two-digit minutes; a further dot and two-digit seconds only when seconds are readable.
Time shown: 5.43.33
